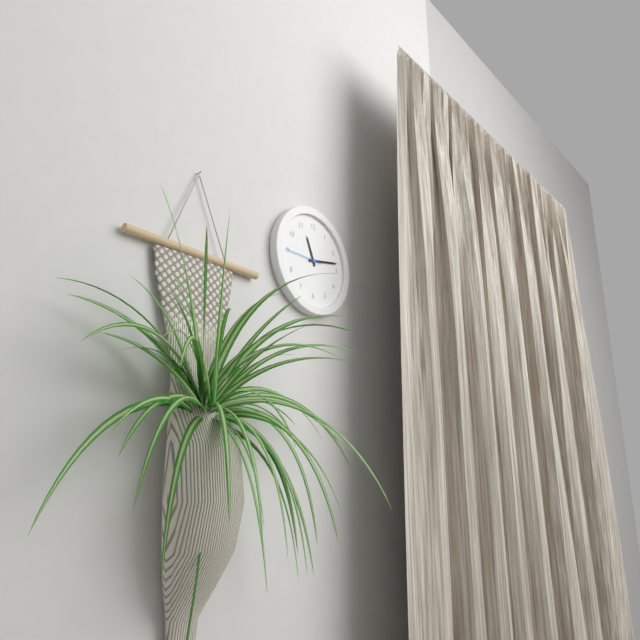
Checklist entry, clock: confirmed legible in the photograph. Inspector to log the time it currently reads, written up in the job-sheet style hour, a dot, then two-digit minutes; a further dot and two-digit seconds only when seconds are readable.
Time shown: 11.13
